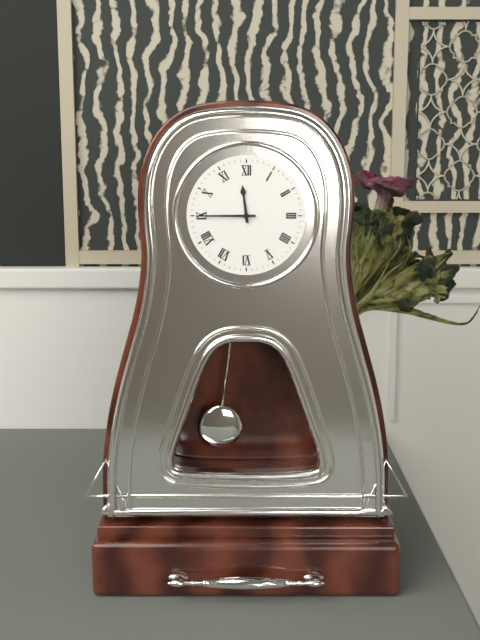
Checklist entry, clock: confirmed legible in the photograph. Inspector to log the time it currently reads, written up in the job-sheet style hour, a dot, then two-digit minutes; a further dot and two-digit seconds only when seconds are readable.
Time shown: 11.45
